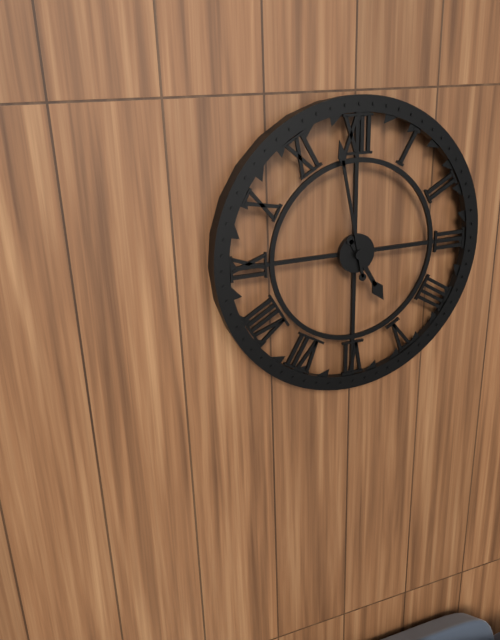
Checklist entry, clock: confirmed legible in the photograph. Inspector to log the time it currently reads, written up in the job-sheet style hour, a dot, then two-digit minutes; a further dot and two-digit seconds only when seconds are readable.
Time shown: 4.58
